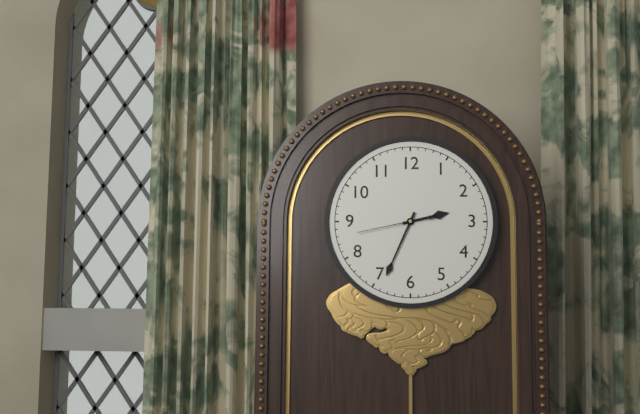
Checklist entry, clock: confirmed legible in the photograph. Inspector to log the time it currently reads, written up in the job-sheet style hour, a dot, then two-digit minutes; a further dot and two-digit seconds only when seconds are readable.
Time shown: 2.34.43
